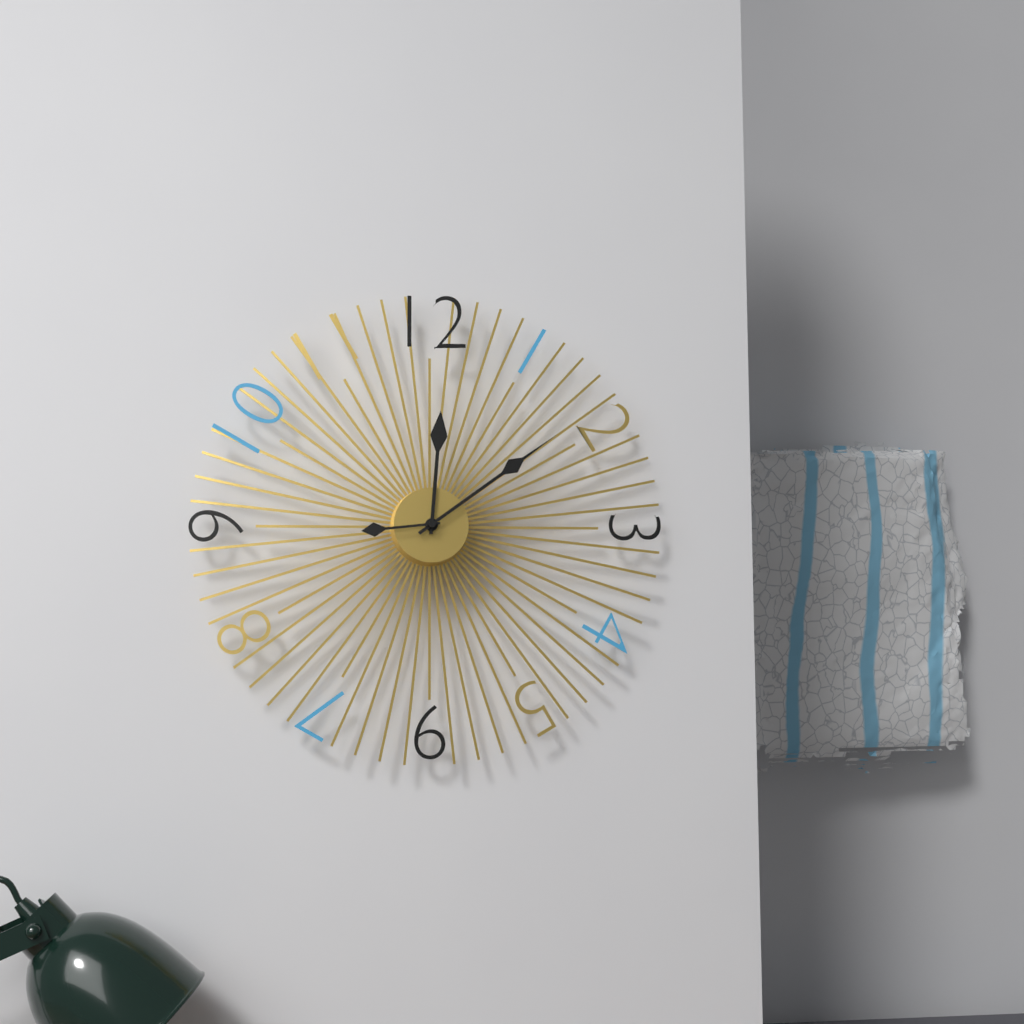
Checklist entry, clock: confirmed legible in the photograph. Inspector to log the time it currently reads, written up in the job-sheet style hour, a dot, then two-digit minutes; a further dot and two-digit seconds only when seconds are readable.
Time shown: 12.09.44
